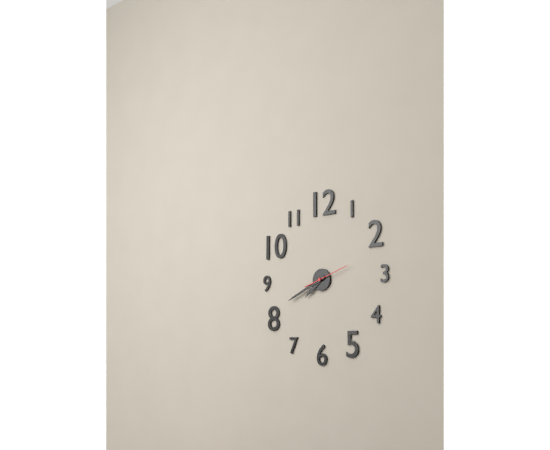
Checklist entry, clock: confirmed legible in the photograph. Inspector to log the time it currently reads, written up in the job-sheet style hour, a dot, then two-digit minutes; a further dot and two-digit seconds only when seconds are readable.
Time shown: 7.41
